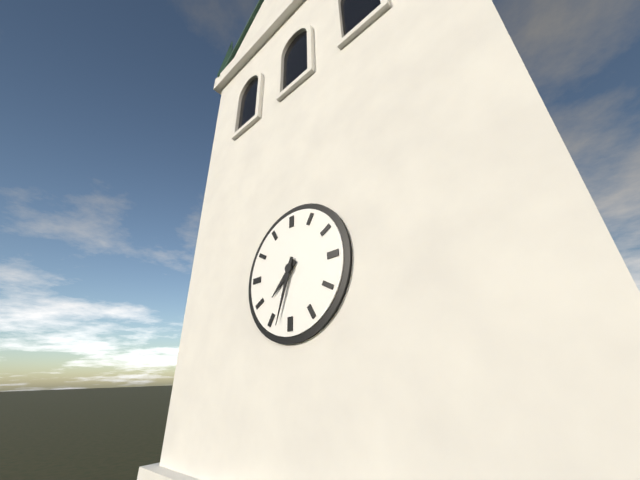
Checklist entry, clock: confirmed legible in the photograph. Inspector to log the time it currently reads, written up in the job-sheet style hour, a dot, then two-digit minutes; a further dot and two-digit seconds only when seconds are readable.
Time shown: 7.33
